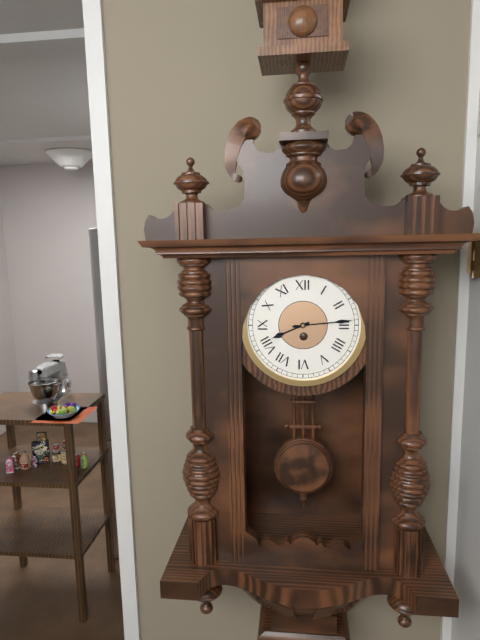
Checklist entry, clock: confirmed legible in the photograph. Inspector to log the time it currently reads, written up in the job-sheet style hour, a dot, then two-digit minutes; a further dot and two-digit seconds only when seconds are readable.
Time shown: 8.14
